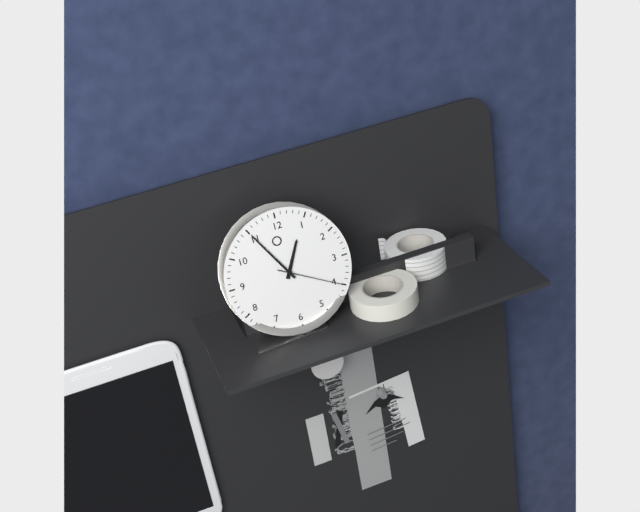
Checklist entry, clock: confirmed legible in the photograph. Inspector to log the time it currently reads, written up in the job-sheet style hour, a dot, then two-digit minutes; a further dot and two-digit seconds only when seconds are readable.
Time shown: 12.55.20
